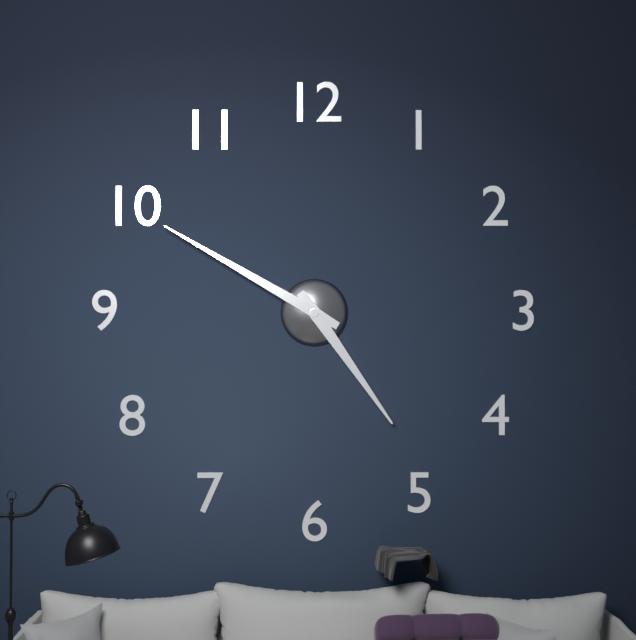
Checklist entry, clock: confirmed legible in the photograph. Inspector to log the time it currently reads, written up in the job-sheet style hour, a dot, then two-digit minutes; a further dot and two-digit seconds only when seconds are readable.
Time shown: 4.50
